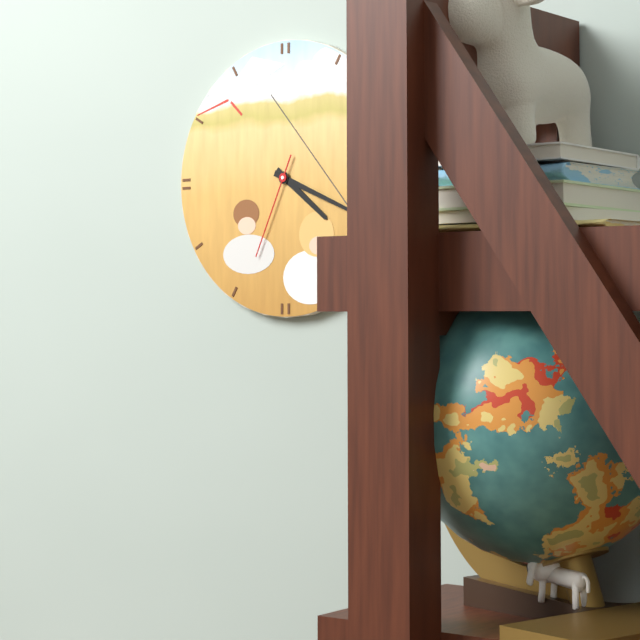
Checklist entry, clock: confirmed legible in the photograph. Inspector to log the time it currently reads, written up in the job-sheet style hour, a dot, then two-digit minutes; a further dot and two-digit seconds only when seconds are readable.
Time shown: 4.19.34
